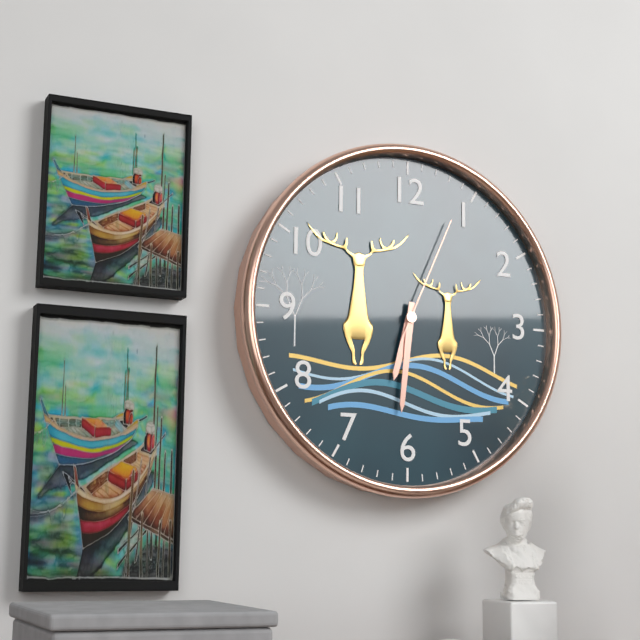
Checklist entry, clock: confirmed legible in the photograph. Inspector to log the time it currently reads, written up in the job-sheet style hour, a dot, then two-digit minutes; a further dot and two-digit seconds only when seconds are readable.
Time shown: 6.31.04
